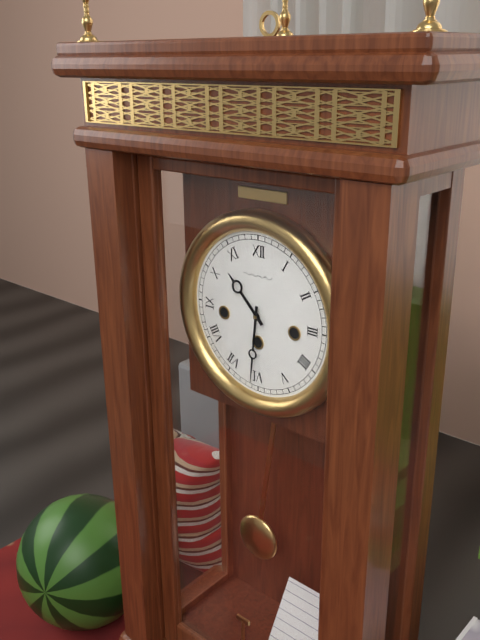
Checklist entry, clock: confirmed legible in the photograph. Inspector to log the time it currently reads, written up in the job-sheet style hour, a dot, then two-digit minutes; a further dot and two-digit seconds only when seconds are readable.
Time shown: 10.31
